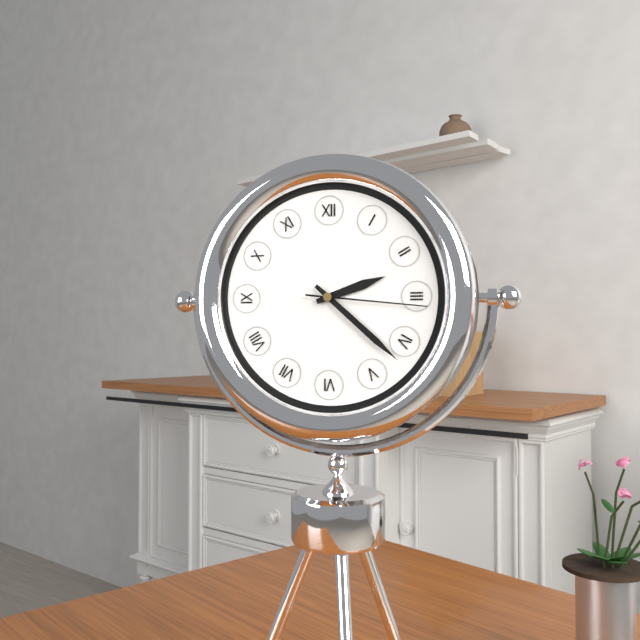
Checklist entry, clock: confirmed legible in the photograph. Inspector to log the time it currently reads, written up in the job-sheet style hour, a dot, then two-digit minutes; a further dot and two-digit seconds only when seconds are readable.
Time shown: 2.22.16
